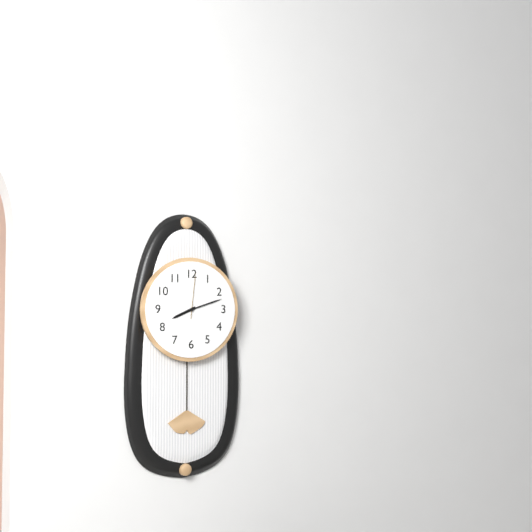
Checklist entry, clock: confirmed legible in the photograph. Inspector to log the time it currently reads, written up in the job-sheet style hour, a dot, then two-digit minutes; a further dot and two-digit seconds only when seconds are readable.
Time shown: 8.12
